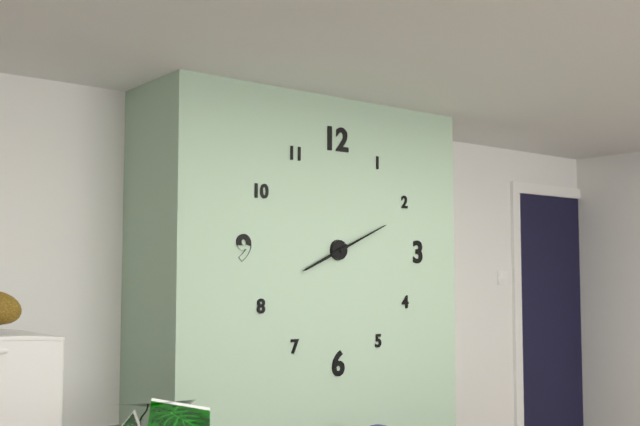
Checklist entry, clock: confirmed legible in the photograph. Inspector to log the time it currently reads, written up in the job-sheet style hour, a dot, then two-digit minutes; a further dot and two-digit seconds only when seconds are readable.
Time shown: 8.11
